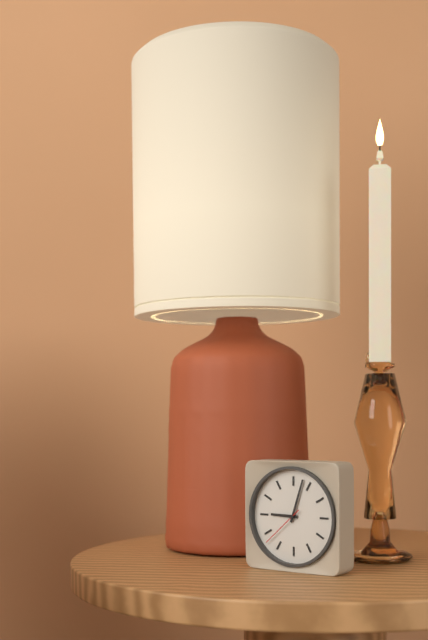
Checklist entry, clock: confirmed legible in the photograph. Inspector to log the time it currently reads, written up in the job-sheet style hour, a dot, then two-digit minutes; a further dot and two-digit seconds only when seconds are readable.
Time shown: 9.03
